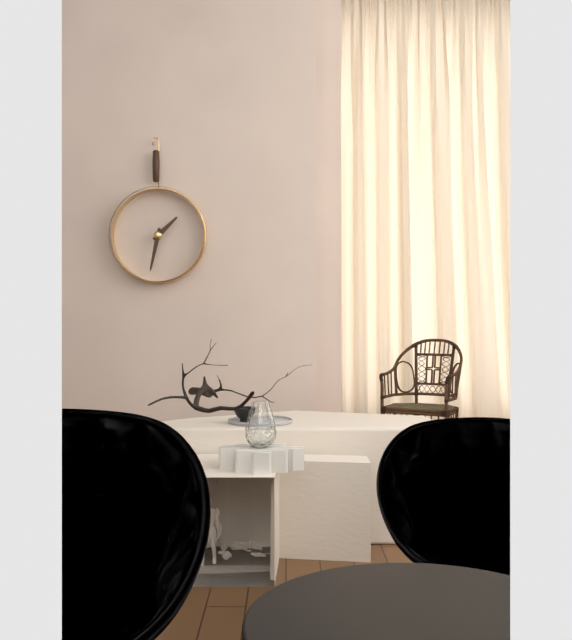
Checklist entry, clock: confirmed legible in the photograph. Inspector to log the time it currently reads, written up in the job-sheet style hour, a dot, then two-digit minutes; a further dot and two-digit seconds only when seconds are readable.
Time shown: 1.32
